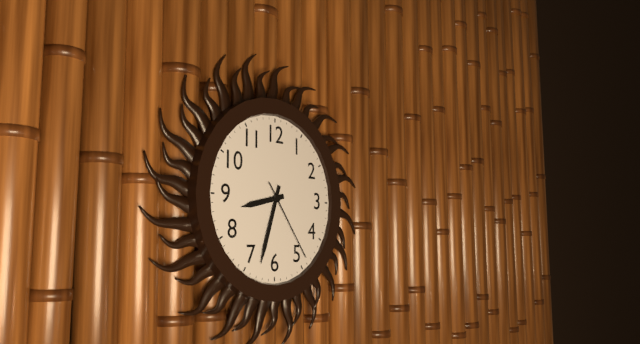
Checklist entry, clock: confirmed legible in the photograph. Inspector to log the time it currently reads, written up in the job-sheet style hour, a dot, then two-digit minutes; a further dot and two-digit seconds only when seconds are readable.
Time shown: 8.33.24
